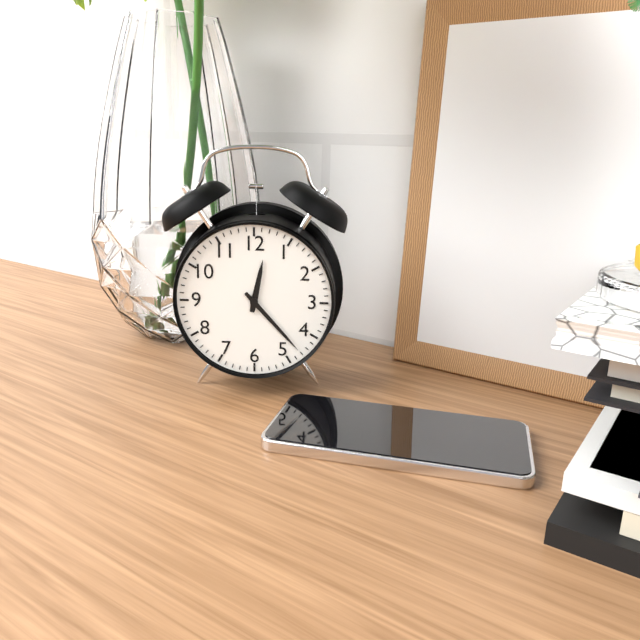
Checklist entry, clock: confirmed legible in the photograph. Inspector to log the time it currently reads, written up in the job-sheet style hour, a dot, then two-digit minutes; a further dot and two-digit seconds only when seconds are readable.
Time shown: 12.23
